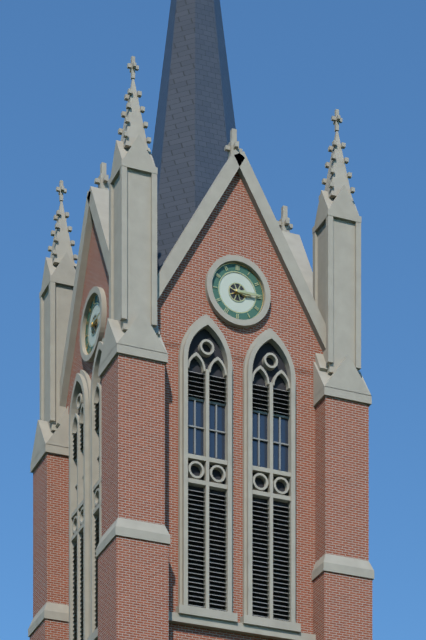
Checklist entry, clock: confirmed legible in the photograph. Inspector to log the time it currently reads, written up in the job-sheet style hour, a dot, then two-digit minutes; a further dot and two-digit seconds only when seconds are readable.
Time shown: 3.15
